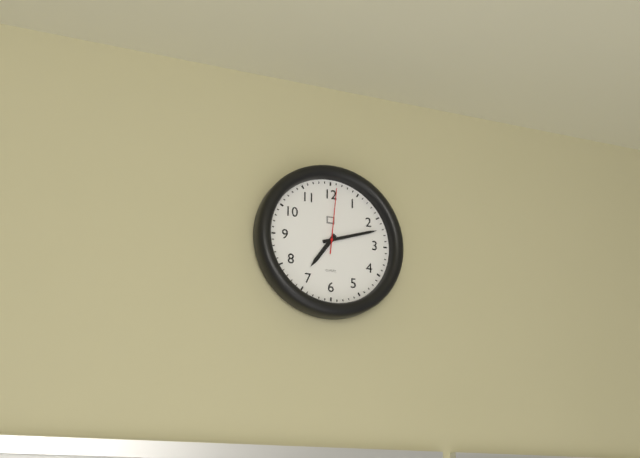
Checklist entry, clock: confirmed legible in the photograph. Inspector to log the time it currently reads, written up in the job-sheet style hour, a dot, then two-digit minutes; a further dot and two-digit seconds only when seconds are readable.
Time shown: 7.12.01
